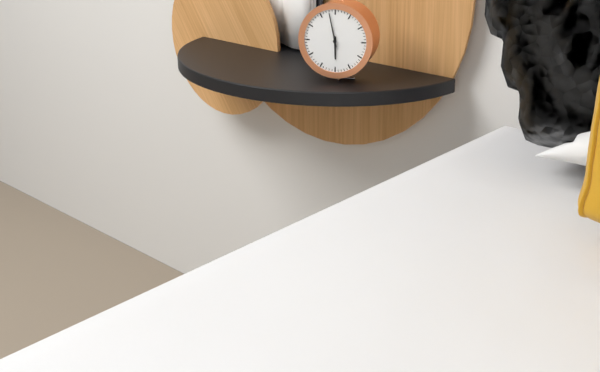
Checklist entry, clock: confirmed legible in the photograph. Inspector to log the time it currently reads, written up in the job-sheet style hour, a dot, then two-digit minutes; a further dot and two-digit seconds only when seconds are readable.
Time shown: 5.58
